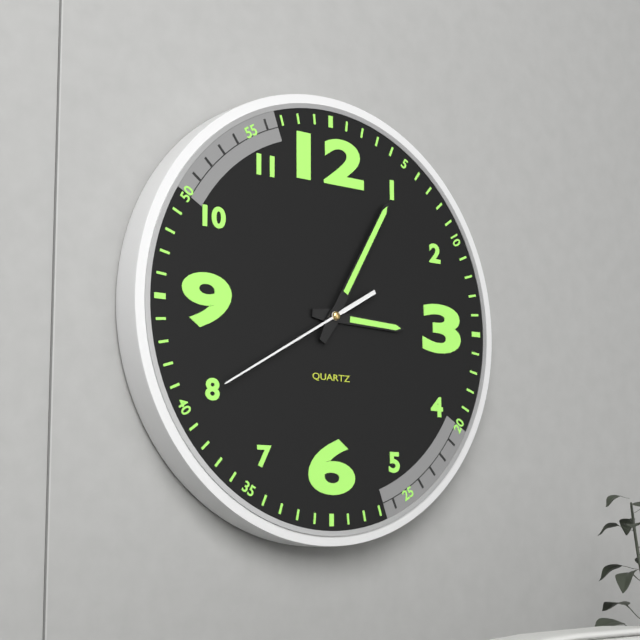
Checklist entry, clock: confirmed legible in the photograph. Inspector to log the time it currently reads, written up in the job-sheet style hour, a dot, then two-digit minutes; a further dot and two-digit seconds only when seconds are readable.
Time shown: 3.05.40
